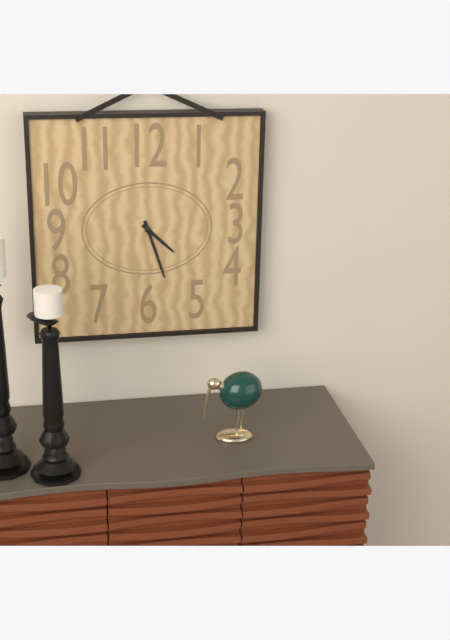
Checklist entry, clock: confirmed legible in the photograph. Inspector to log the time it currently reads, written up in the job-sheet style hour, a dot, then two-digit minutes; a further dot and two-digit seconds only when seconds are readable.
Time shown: 4.27
